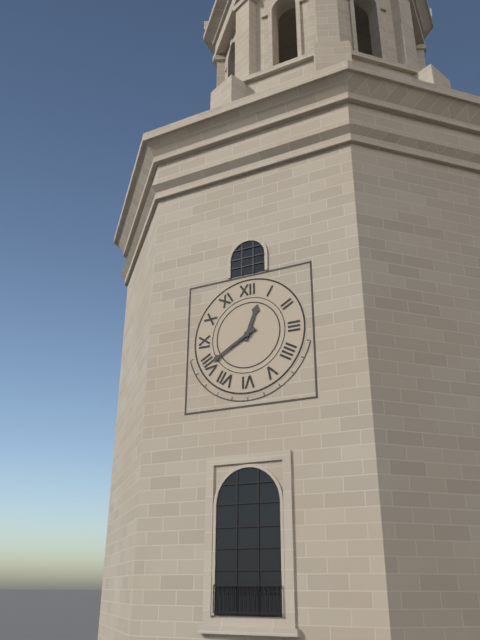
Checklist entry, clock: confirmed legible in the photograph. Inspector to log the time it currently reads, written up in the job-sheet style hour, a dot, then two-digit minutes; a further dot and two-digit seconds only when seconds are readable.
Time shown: 12.40
